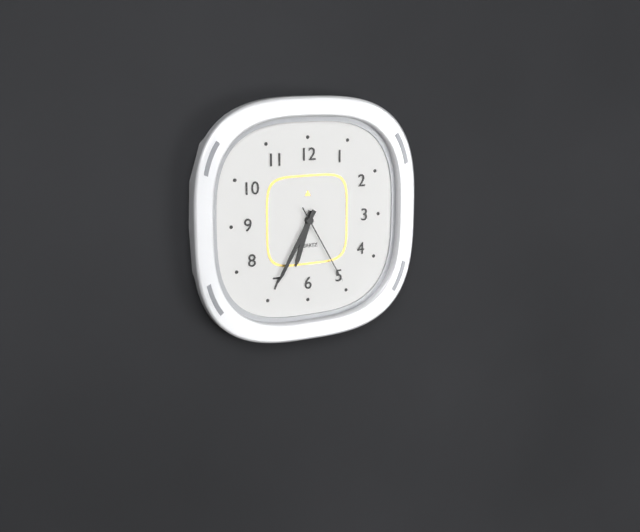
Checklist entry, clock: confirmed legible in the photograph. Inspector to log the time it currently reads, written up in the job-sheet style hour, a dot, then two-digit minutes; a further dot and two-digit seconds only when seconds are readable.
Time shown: 6.35.25
